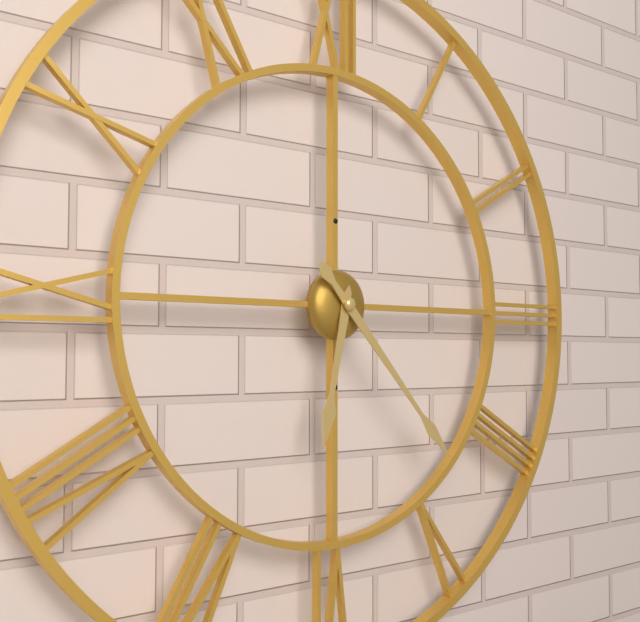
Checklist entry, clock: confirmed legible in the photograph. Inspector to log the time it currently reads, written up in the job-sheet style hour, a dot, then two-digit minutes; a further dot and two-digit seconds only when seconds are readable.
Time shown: 6.23
